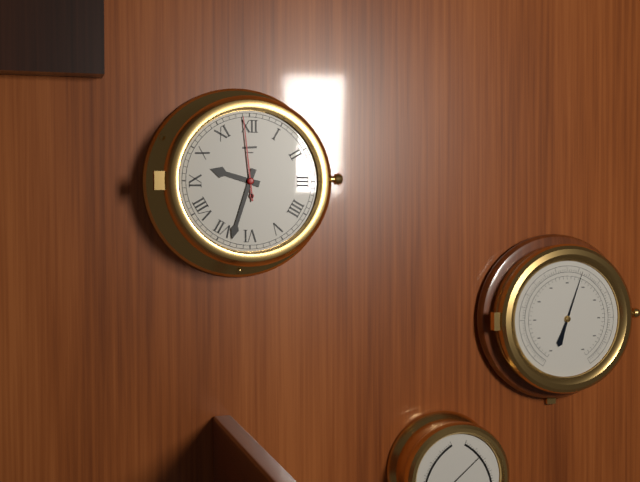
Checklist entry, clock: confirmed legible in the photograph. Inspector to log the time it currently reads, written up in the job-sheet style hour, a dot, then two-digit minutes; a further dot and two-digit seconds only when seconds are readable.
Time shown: 9.33.59
